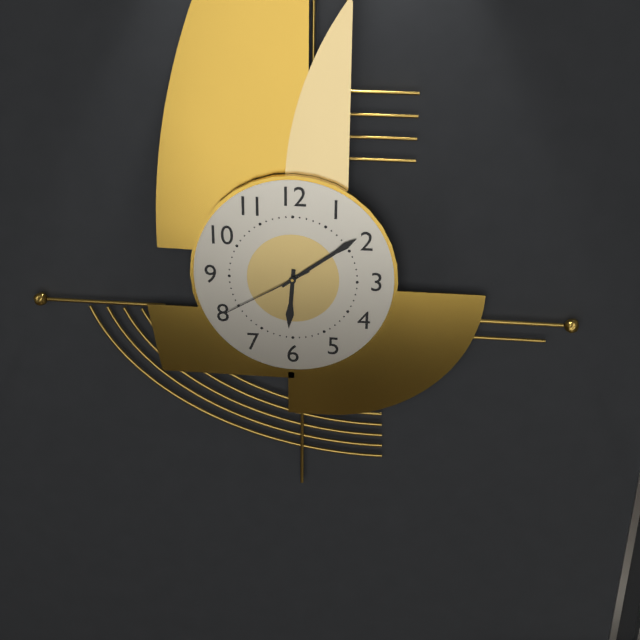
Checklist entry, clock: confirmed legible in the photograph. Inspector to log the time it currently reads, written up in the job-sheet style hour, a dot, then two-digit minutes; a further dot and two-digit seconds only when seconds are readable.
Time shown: 6.09.40
